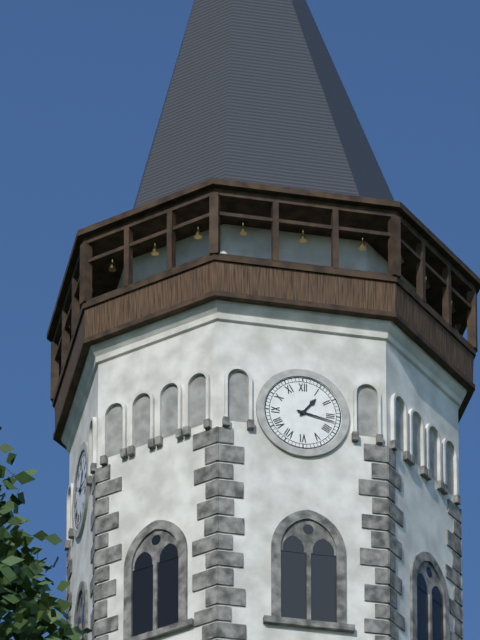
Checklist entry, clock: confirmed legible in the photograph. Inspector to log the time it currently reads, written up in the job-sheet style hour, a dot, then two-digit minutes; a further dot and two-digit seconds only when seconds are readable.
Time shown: 1.17
